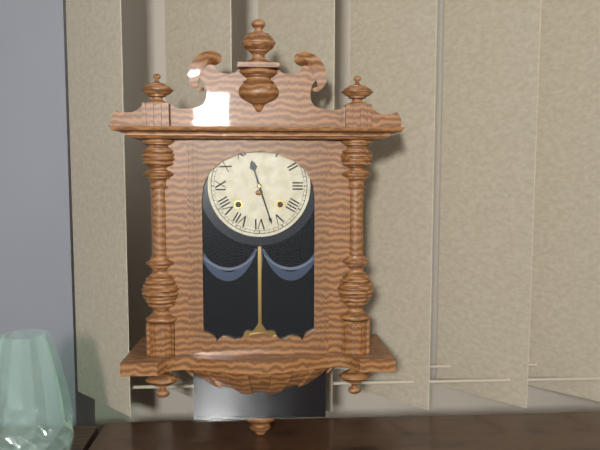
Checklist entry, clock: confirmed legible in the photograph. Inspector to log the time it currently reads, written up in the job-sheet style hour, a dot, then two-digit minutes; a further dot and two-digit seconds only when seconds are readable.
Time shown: 11.27
